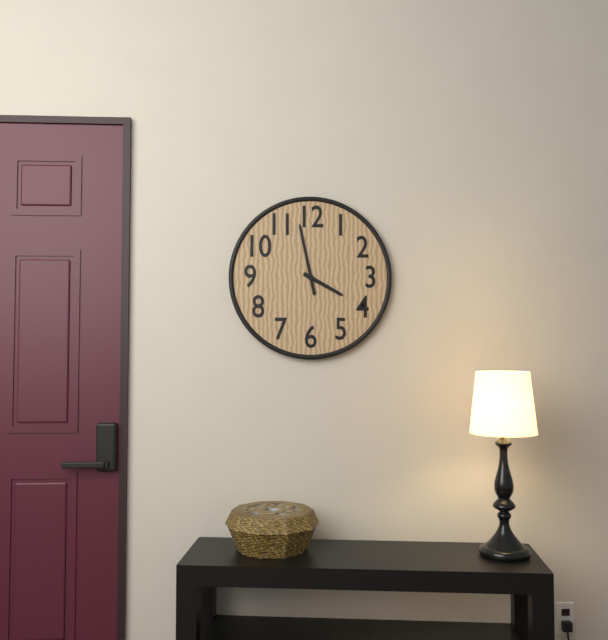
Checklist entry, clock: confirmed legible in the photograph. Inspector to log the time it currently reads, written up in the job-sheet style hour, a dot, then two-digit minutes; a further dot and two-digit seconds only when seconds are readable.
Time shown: 3.58
